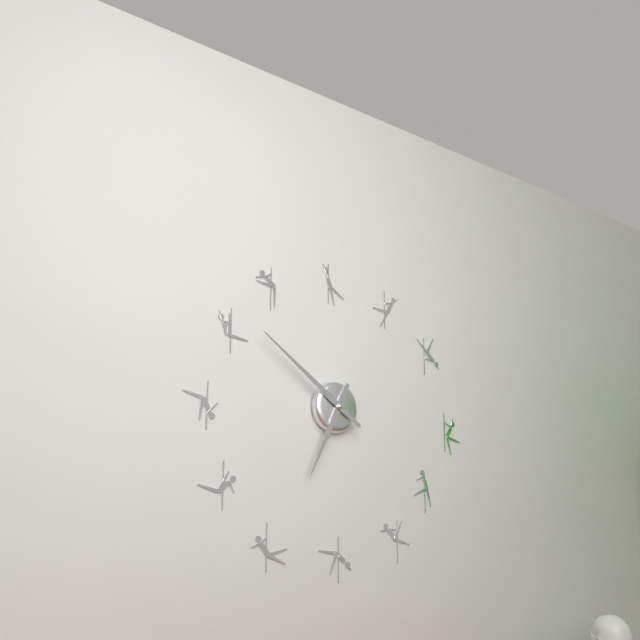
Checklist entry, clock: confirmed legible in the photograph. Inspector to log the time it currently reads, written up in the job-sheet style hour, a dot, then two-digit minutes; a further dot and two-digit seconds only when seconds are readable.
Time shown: 6.51
